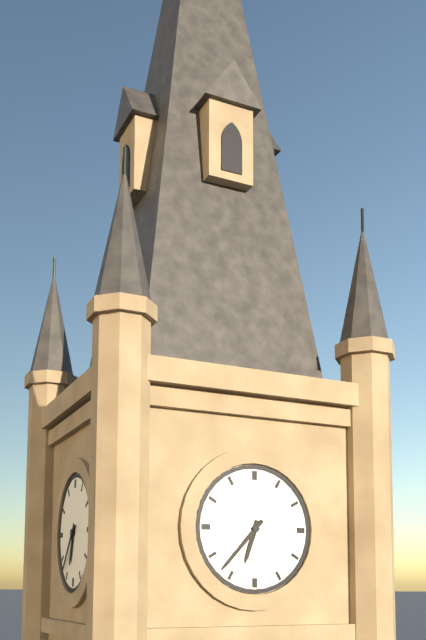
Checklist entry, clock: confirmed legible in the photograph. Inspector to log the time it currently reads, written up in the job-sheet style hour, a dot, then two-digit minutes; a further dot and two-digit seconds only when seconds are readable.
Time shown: 6.37
